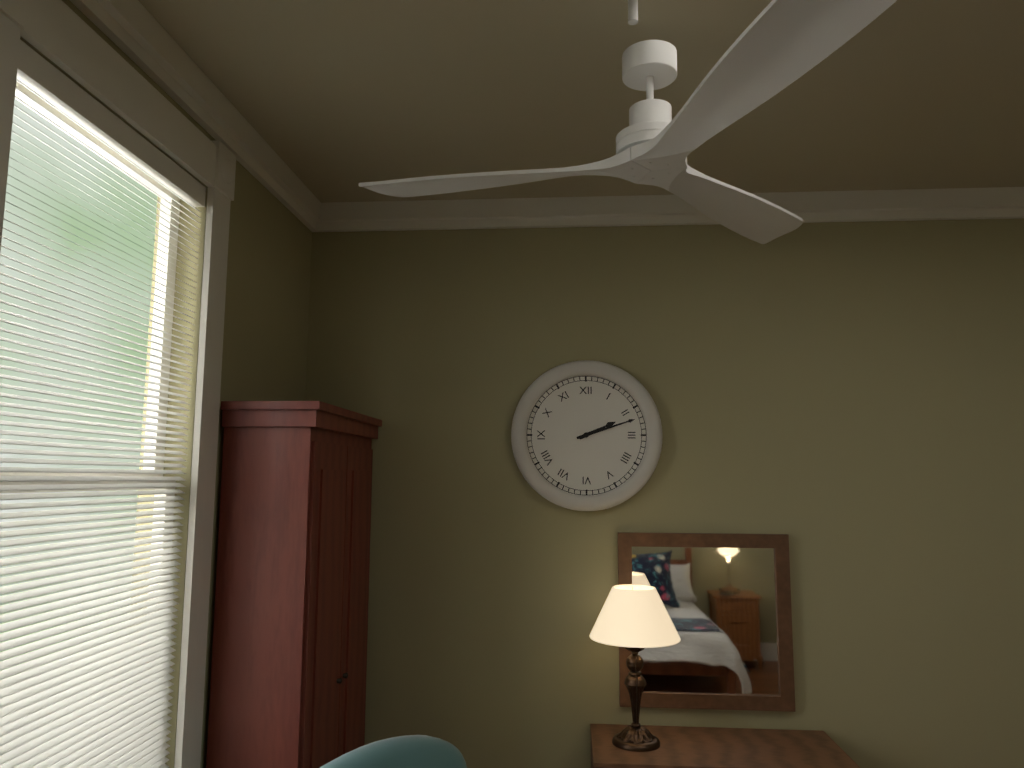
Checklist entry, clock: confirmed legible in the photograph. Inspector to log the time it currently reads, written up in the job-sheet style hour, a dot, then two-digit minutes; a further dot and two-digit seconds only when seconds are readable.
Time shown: 2.12
